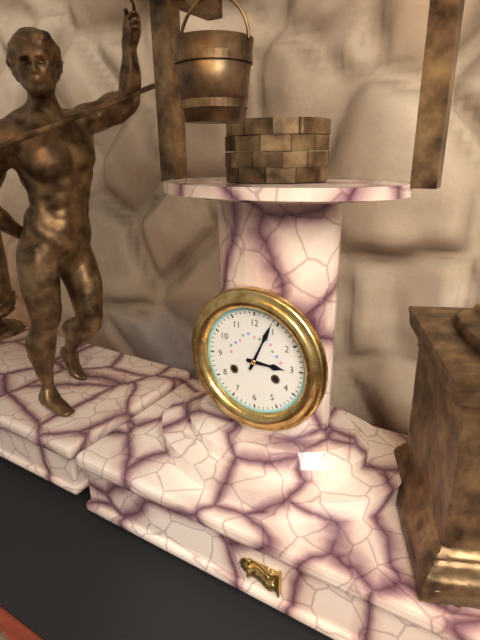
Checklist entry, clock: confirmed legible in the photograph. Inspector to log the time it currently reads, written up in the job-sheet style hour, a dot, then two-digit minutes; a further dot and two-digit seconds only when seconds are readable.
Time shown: 3.04
